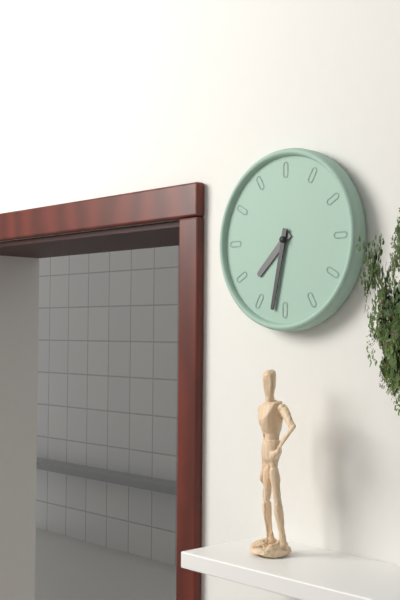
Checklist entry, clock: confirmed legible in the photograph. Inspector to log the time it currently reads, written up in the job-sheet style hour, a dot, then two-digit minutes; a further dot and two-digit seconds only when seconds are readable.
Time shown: 7.32
